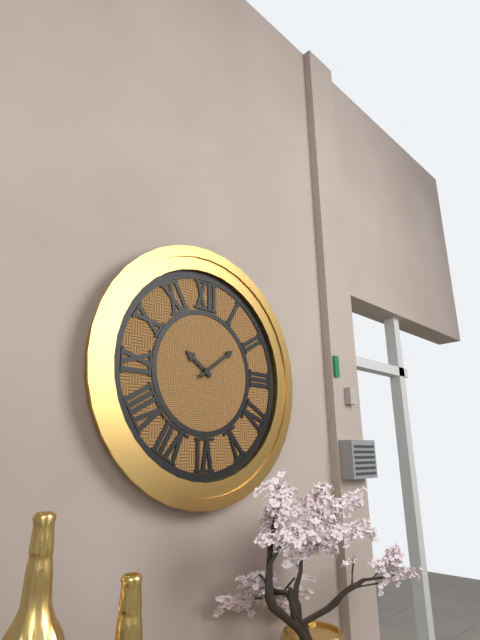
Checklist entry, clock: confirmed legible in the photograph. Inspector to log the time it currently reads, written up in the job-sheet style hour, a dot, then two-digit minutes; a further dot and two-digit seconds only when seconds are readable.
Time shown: 10.09
